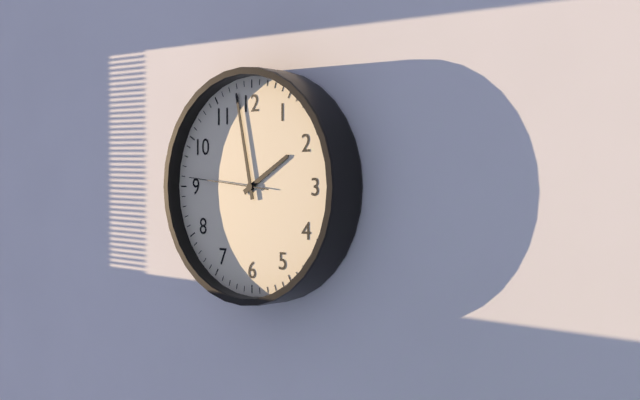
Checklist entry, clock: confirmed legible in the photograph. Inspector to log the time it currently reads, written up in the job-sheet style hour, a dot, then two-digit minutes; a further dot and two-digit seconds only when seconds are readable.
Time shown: 1.58.46
